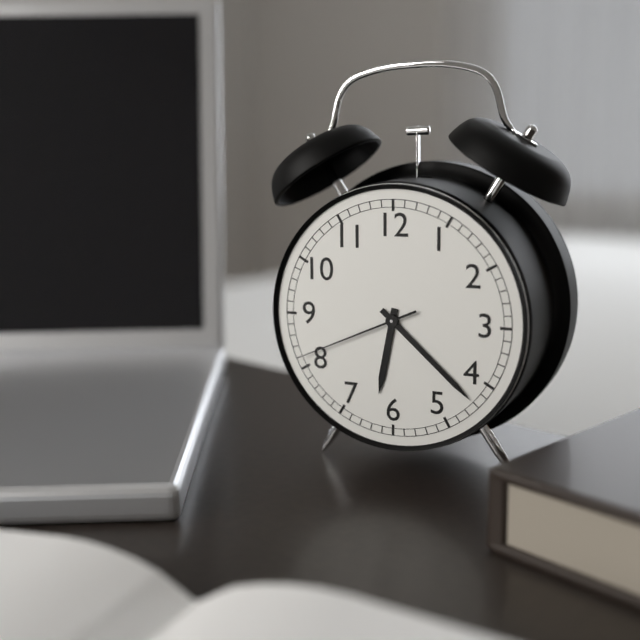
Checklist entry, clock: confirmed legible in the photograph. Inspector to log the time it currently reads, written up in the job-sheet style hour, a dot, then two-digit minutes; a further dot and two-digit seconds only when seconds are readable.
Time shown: 6.22.41
